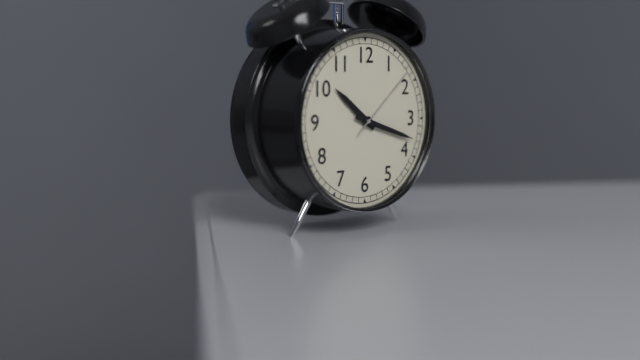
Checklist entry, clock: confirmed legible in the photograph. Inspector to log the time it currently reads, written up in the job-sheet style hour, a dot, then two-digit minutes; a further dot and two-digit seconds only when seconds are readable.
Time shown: 10.18.08
